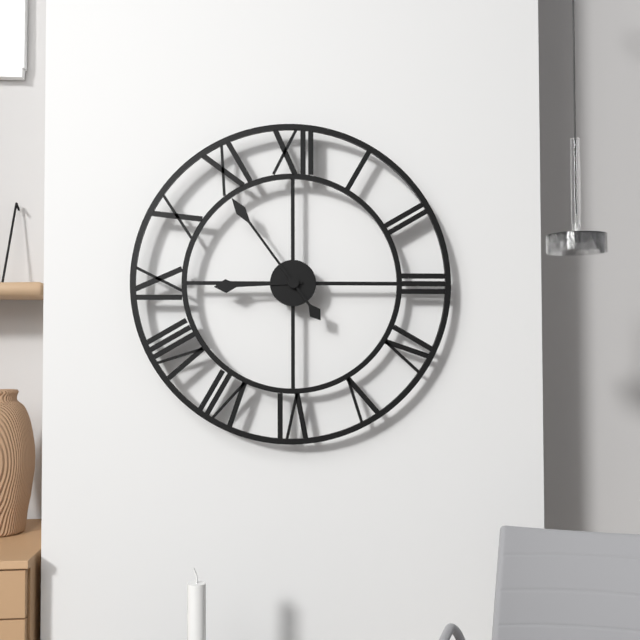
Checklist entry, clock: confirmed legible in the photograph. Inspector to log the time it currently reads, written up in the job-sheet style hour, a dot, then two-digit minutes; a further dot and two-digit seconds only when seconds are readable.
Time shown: 8.54
